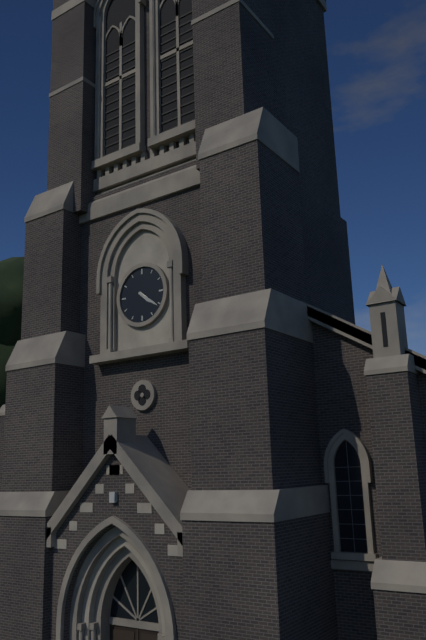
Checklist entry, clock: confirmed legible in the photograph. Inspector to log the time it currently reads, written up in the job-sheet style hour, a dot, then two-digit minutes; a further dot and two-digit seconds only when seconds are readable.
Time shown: 4.21
